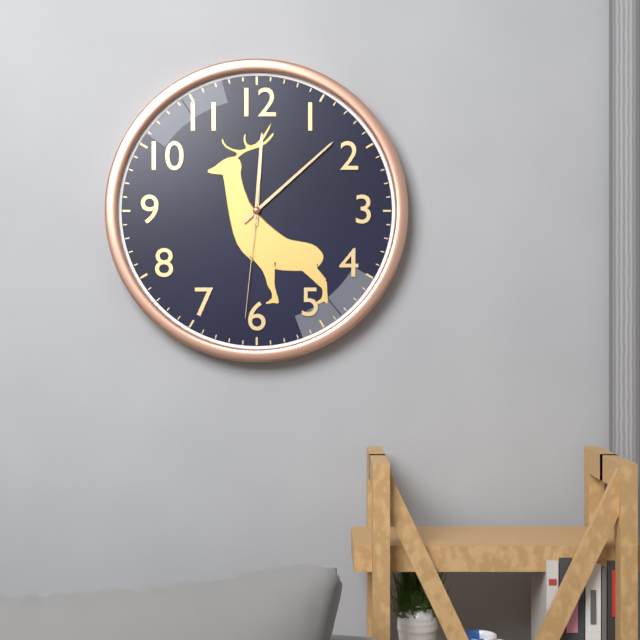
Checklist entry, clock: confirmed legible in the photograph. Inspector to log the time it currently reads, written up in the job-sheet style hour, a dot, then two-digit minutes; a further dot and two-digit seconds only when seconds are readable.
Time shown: 12.08.31
